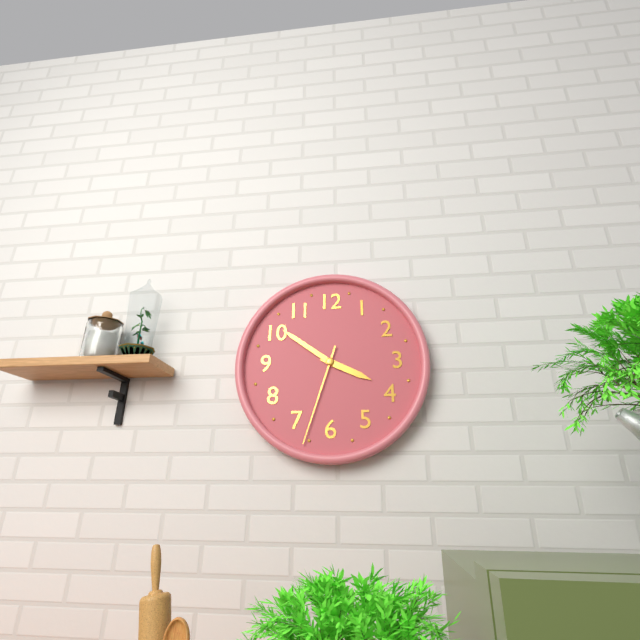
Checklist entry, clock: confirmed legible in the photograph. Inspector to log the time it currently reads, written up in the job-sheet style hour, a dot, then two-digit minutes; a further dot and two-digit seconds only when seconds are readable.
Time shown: 3.51.33
